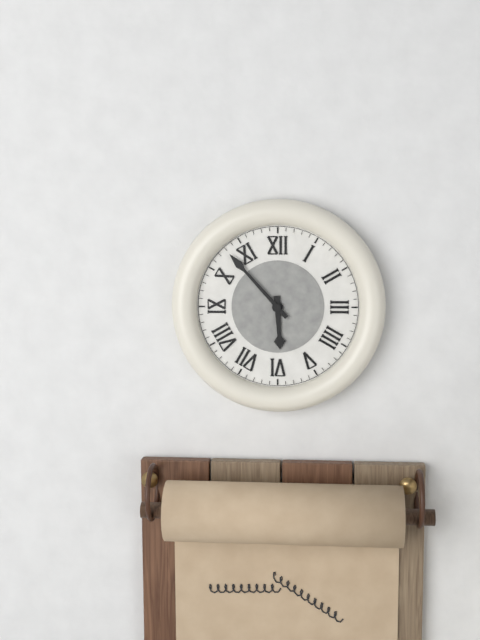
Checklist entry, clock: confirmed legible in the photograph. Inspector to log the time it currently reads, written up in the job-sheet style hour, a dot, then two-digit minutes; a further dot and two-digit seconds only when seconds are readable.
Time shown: 5.53
